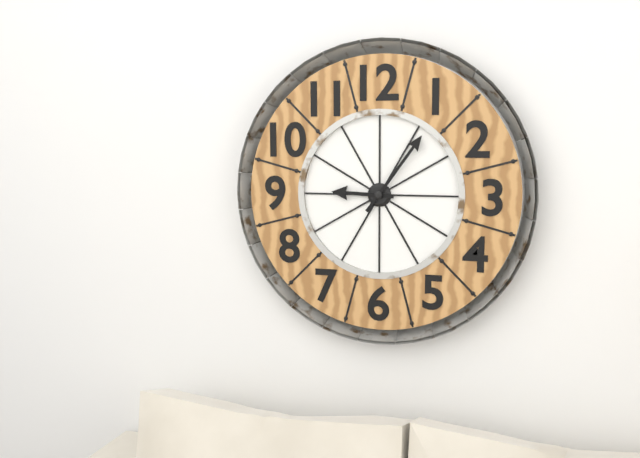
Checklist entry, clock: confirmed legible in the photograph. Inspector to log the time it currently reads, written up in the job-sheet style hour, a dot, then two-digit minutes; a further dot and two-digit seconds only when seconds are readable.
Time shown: 9.06
